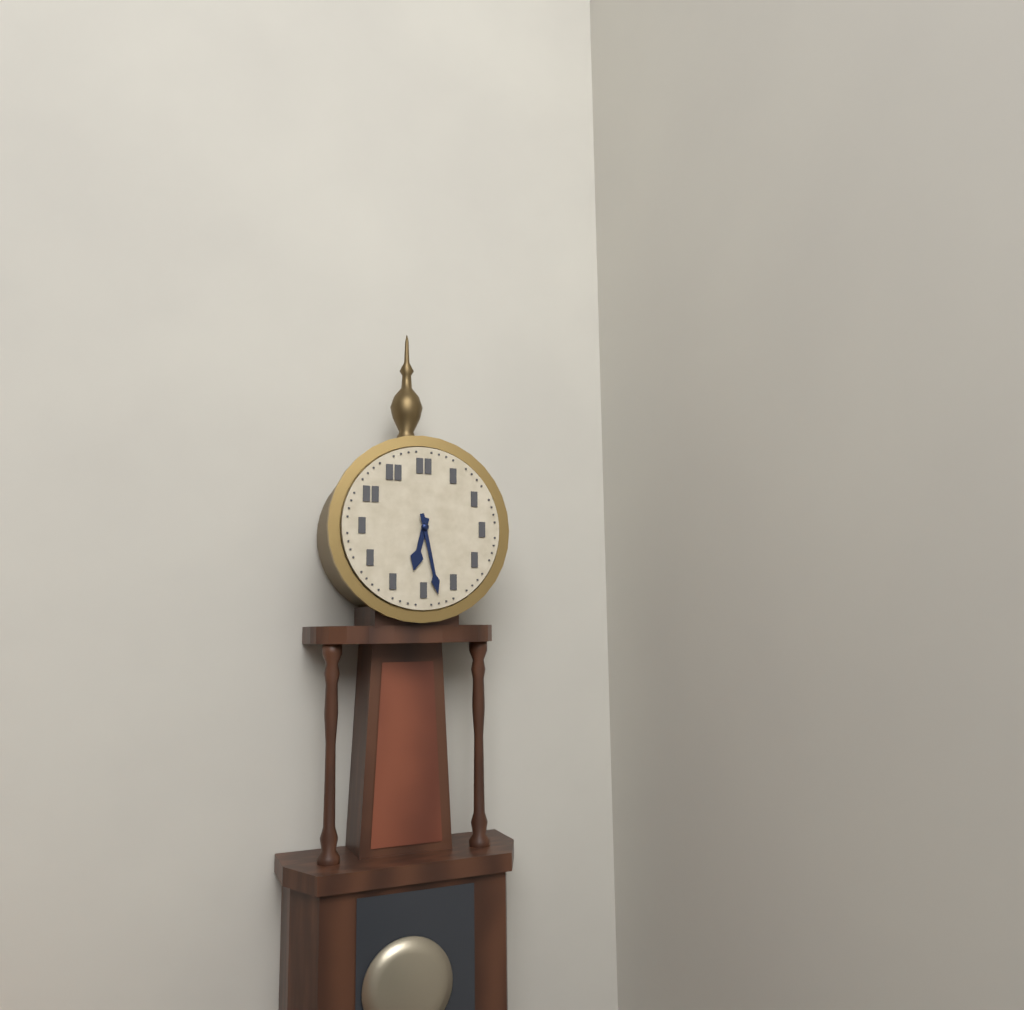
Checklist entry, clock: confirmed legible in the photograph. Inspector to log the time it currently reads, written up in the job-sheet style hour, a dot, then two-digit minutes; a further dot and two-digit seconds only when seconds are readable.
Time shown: 6.28
